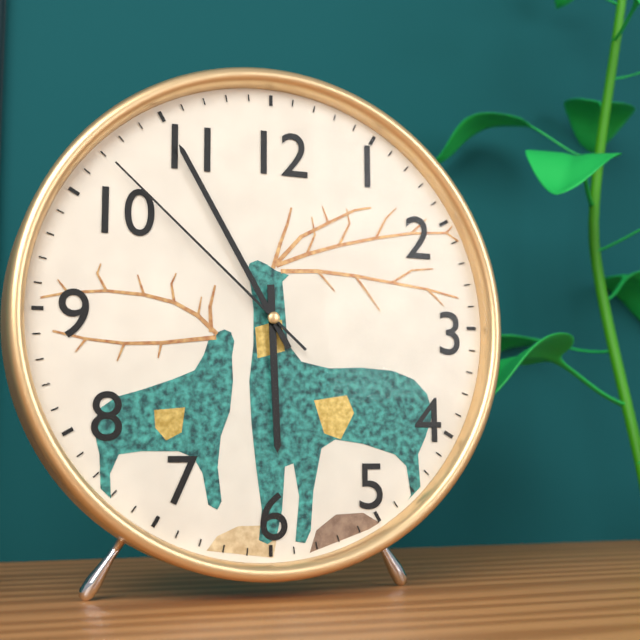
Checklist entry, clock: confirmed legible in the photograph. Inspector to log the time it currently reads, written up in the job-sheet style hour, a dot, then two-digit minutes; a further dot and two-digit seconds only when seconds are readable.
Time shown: 5.55.52
